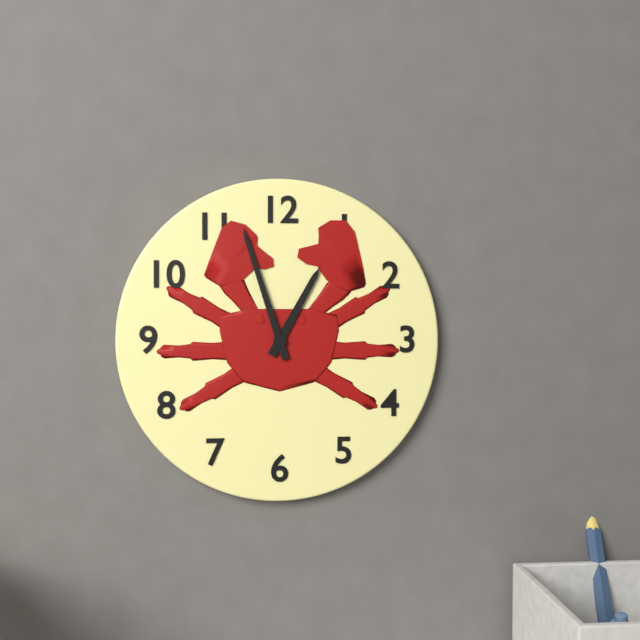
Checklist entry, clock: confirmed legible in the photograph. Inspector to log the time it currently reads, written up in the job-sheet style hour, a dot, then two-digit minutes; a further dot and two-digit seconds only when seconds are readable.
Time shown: 12.57
